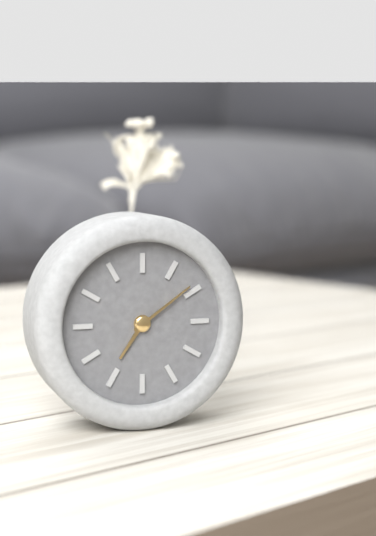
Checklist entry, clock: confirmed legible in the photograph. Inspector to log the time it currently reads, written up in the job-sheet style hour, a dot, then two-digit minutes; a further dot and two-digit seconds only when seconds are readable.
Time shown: 7.09
